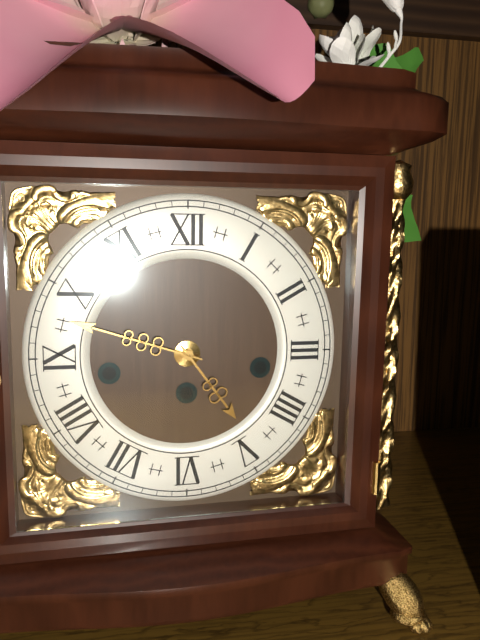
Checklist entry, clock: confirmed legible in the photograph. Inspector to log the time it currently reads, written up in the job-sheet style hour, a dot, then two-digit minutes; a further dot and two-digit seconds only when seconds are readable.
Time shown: 4.48
